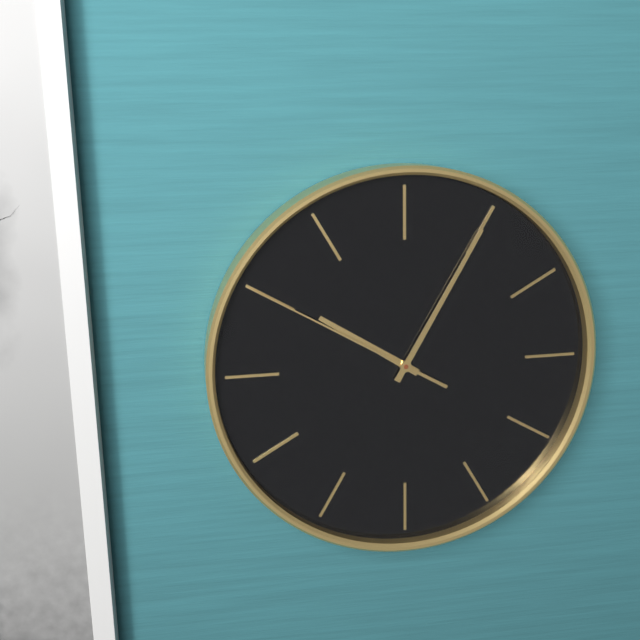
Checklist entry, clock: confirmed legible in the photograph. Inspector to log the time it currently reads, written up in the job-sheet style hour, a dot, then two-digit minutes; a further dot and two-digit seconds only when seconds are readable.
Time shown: 10.05.50
